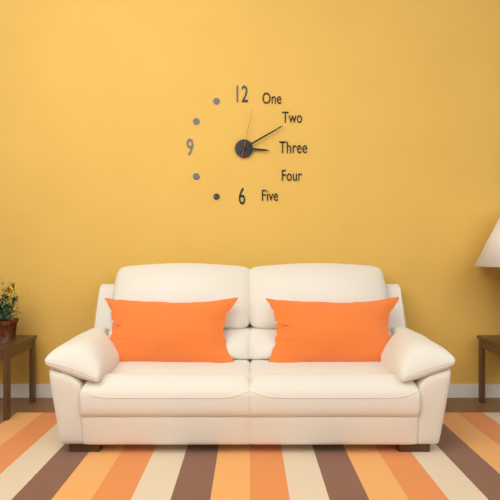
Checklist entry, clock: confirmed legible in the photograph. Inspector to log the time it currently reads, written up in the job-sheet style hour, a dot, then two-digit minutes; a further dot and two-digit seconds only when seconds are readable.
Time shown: 3.10
